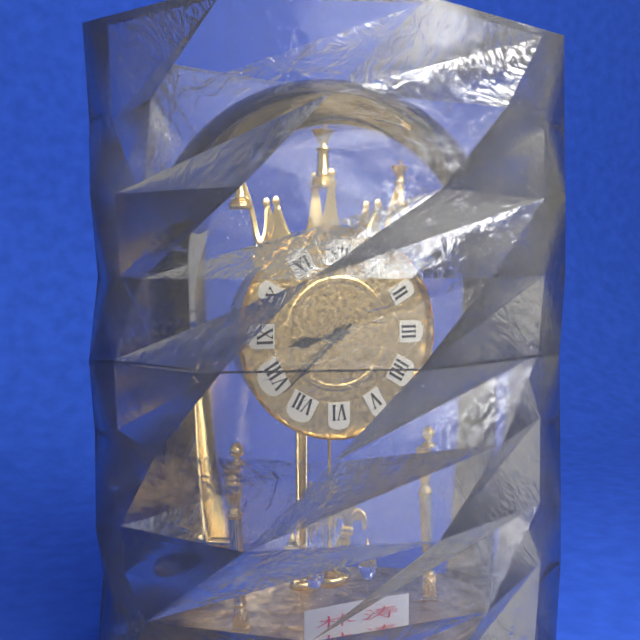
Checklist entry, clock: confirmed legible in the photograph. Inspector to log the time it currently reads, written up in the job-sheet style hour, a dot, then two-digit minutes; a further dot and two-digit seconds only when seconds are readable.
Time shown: 8.38
